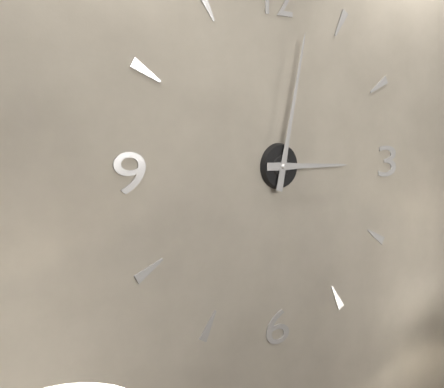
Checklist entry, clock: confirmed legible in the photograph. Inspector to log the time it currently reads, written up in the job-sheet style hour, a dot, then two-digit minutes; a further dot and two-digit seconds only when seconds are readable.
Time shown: 3.02
